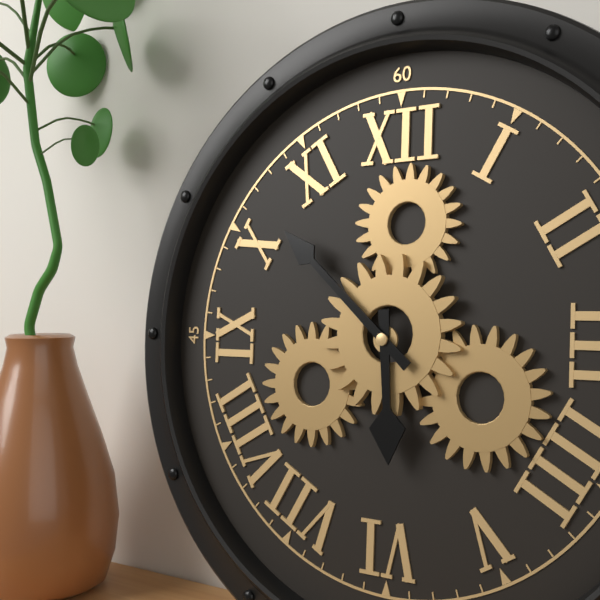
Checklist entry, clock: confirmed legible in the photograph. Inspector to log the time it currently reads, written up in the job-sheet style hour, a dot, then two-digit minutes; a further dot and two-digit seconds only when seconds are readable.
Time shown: 5.52
